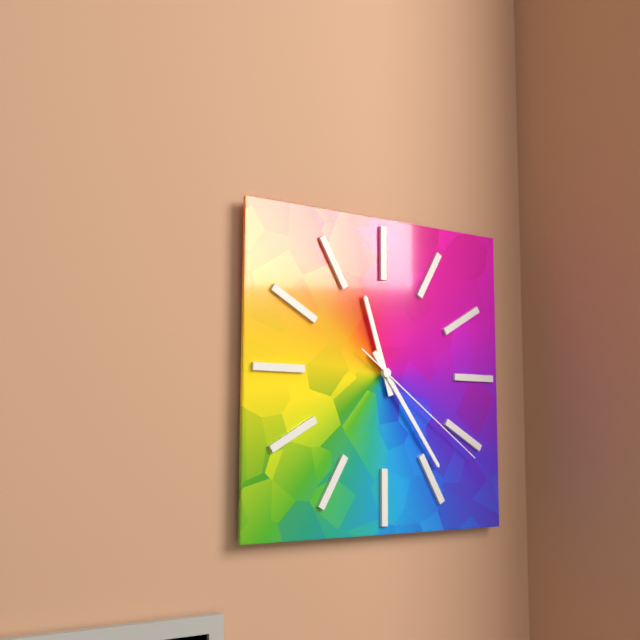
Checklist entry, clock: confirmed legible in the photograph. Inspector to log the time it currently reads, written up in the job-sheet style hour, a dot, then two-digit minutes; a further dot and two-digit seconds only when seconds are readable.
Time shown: 11.24.21
